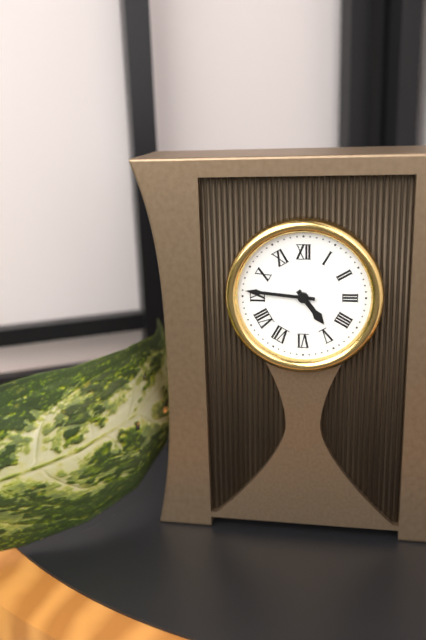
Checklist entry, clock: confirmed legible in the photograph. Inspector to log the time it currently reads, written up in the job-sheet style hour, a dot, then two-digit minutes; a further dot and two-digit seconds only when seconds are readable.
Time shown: 4.46
